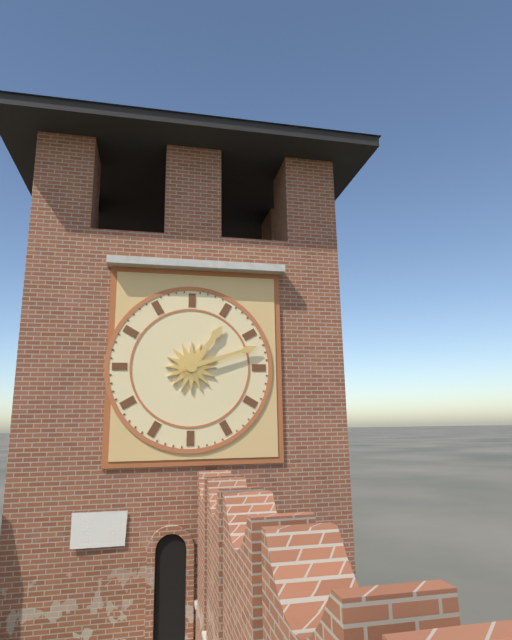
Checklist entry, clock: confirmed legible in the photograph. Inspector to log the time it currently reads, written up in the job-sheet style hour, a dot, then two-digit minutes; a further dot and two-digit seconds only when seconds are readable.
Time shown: 1.12
